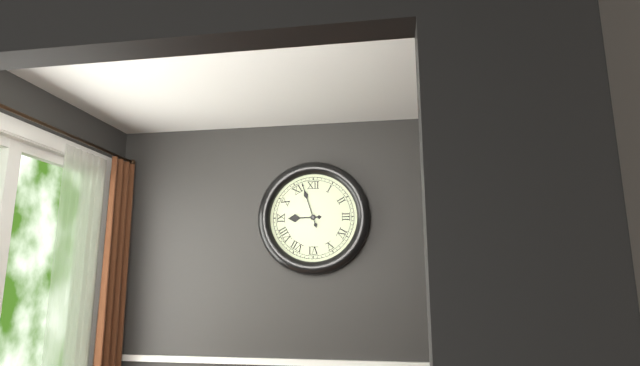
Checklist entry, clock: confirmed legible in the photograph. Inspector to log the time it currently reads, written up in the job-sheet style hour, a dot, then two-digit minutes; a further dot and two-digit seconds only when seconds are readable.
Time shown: 8.57
